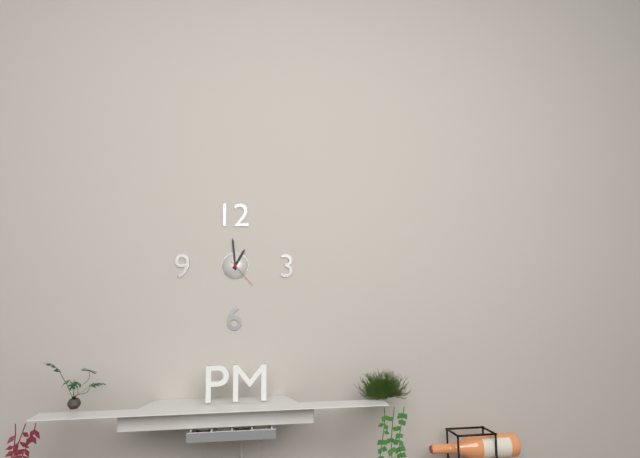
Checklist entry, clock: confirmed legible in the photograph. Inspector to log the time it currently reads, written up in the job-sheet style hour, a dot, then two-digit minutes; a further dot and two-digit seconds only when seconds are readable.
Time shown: 12.59
